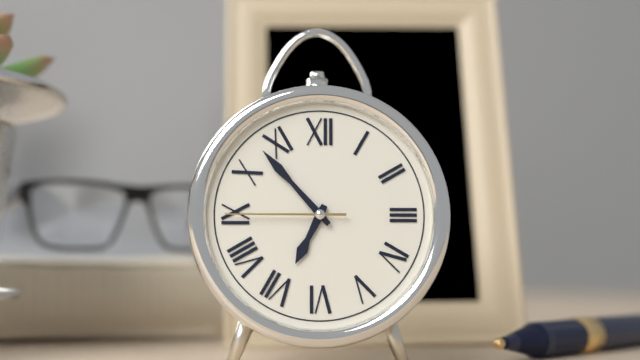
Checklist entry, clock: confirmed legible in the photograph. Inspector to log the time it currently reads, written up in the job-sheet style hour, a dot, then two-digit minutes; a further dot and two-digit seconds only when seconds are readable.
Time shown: 6.53.45
